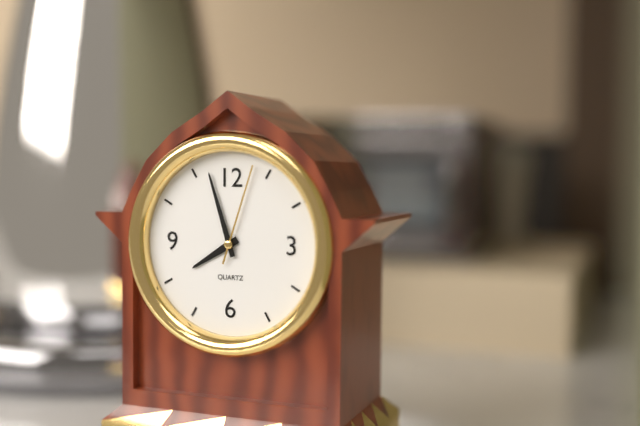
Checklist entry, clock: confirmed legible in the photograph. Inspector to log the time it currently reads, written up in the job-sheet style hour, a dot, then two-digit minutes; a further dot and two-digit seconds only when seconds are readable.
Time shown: 7.57.03
